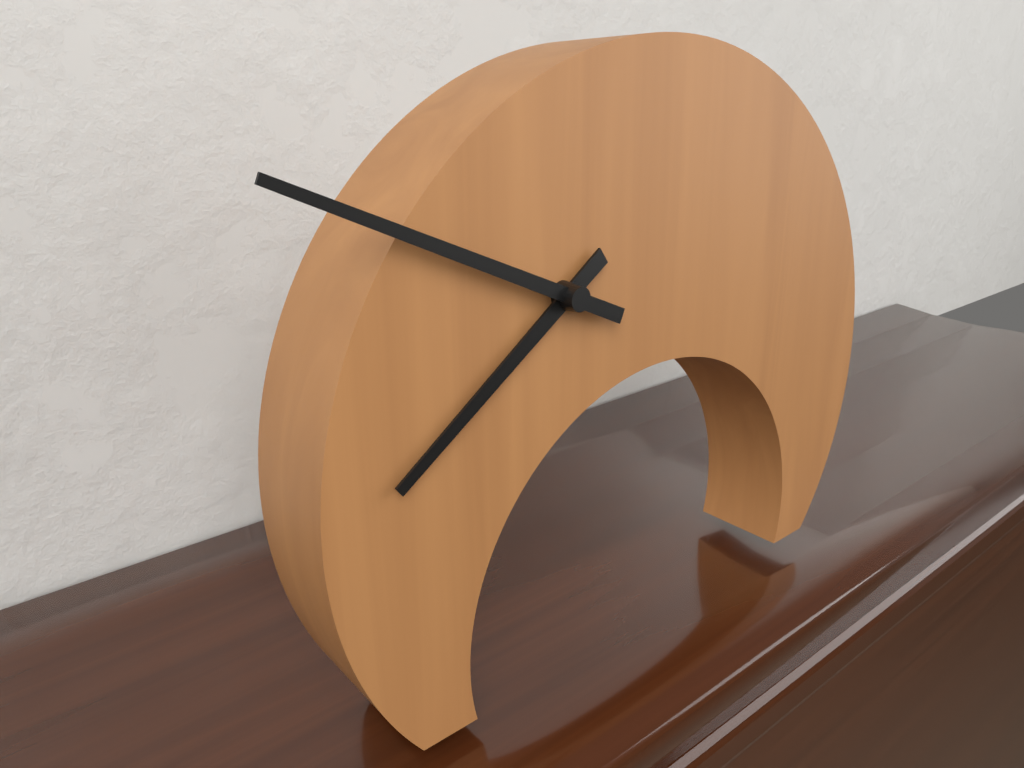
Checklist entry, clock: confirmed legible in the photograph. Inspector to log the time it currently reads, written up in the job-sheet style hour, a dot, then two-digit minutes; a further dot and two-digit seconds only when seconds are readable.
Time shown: 7.49
